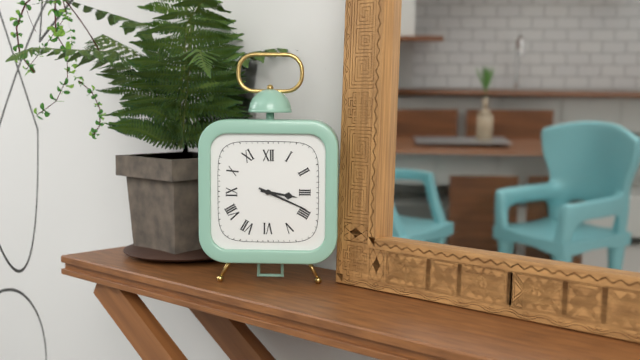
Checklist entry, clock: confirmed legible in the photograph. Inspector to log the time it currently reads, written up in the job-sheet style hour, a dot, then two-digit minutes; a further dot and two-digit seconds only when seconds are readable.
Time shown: 3.19
